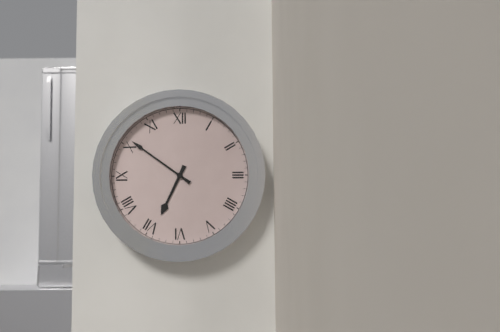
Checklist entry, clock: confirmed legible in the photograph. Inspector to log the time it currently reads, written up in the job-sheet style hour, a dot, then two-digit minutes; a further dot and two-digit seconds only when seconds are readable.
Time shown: 6.51
